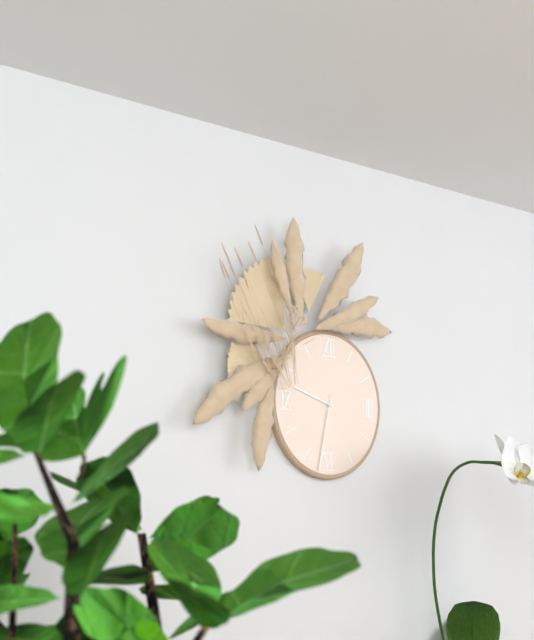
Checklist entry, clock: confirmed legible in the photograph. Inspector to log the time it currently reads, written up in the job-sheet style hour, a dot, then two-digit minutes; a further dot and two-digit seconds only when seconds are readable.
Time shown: 9.32
